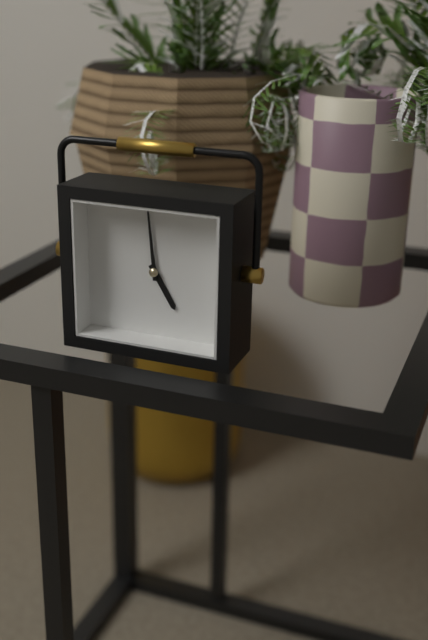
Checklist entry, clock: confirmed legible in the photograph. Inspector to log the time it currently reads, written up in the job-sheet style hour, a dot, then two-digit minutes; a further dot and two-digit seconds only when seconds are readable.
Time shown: 4.59
